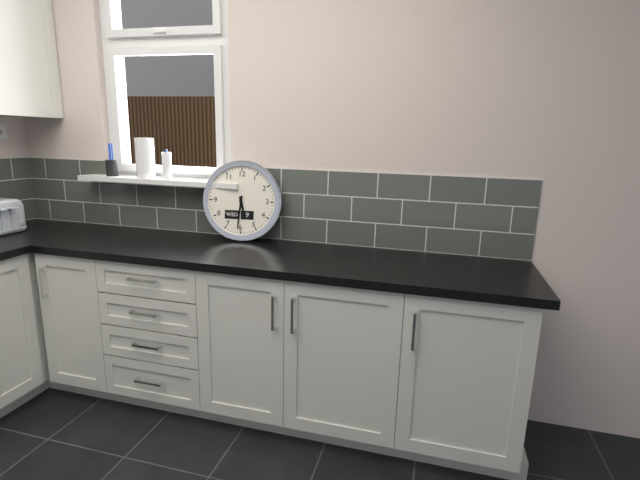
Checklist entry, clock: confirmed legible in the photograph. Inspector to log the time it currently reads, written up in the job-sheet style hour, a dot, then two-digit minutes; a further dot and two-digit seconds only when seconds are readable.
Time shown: 5.31
